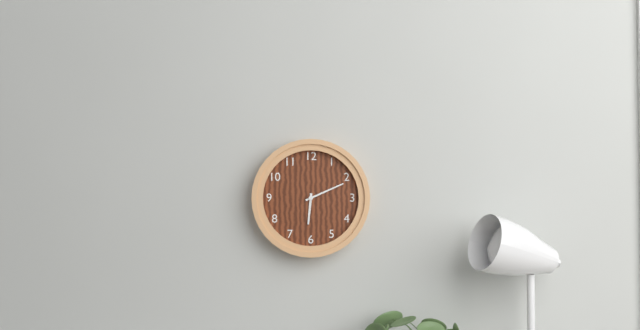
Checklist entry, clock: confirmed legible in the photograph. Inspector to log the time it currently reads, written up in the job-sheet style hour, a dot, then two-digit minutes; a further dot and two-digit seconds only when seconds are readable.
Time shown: 6.11
